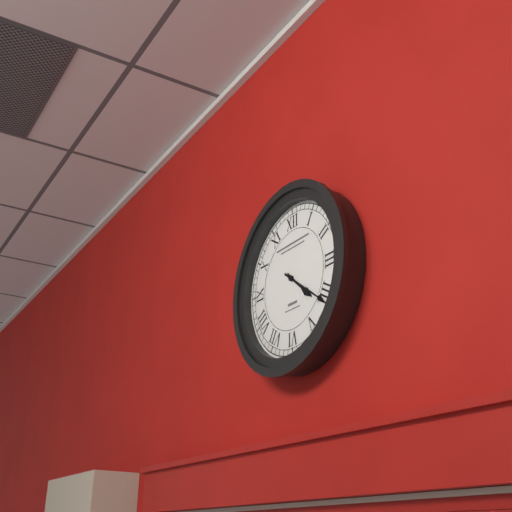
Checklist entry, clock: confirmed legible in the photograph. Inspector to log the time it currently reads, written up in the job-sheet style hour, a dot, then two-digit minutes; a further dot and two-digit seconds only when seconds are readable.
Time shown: 4.21
